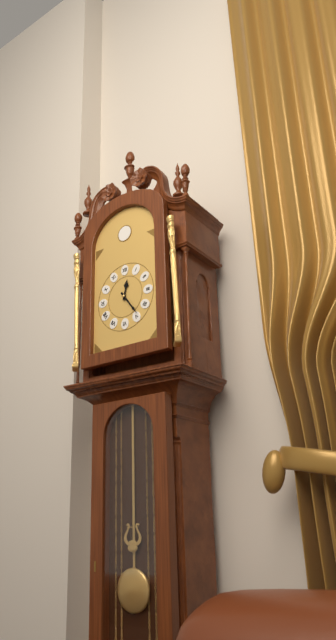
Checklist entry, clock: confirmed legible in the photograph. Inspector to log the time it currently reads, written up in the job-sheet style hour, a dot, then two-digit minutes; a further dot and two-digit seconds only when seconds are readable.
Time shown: 12.24
